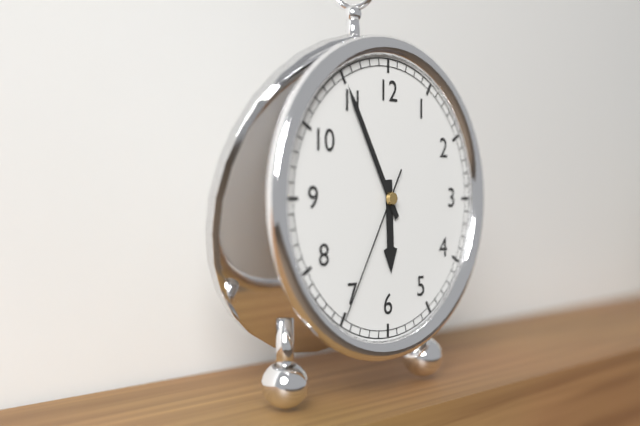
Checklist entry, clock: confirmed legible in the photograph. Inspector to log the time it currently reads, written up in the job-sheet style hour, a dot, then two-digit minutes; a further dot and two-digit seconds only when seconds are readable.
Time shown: 5.55.35
